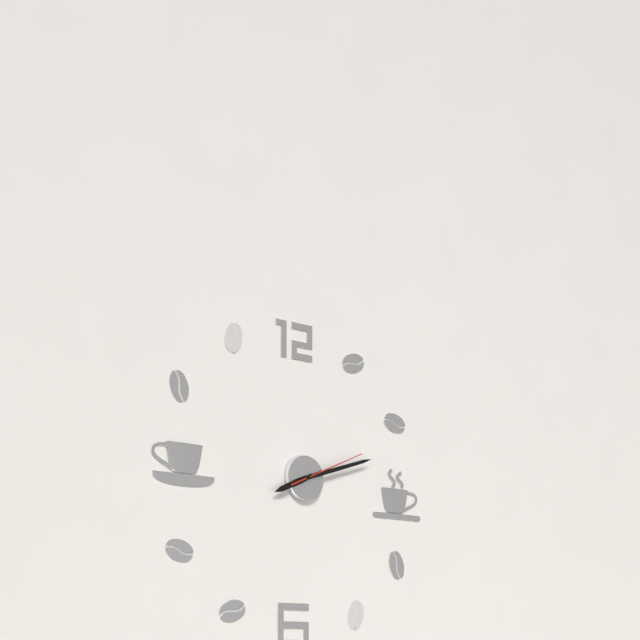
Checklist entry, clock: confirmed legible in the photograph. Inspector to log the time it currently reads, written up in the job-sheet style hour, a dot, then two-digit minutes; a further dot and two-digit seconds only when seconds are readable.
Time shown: 8.12.11
